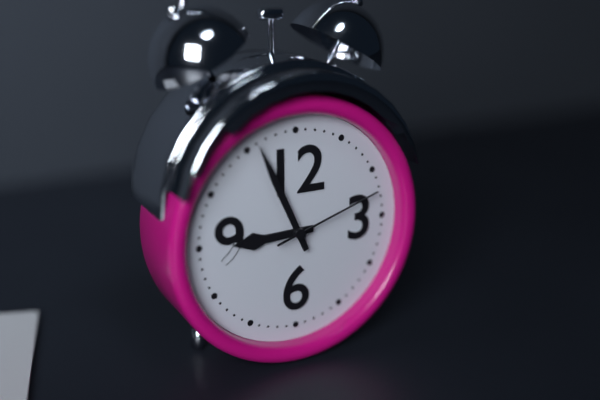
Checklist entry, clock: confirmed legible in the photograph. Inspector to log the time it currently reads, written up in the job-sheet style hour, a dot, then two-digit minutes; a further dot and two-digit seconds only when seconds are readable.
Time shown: 8.56.12
